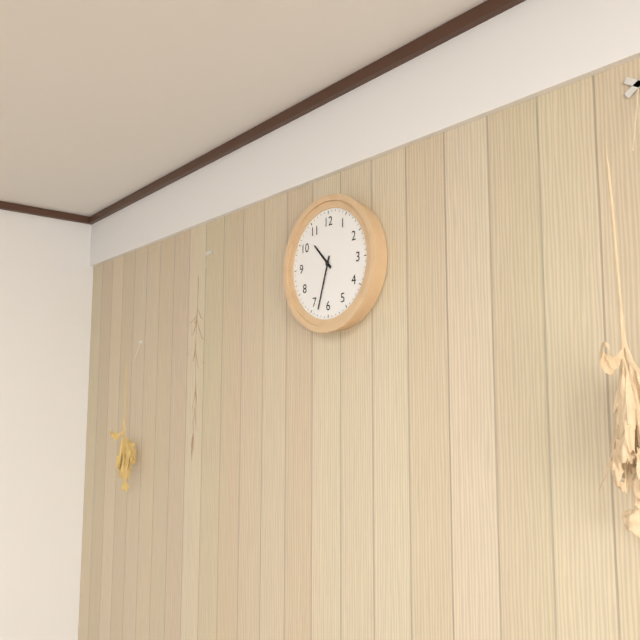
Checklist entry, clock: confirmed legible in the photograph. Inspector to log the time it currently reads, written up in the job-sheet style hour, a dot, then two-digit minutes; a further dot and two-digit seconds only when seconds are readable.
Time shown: 10.33
